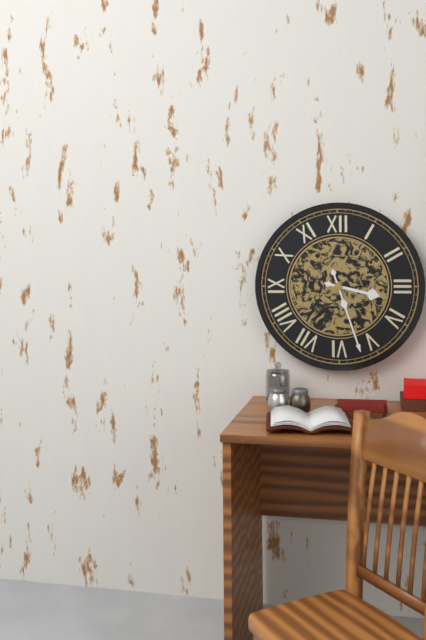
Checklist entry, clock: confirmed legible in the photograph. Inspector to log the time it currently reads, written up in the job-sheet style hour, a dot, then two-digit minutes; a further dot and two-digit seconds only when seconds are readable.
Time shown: 3.27
